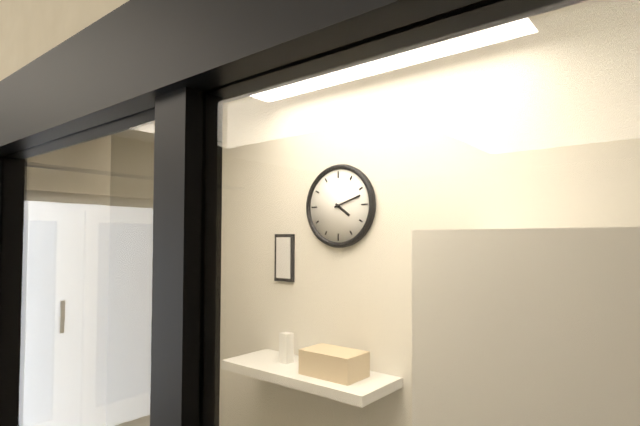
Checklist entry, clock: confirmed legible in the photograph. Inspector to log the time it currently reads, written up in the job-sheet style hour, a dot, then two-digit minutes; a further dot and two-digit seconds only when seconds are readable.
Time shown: 4.12
